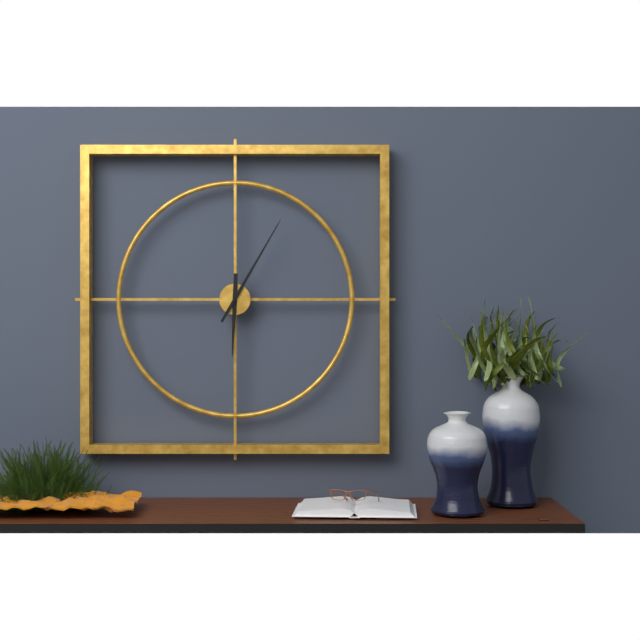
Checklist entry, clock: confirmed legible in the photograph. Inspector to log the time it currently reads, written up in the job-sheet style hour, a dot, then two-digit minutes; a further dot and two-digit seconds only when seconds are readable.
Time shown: 6.05
